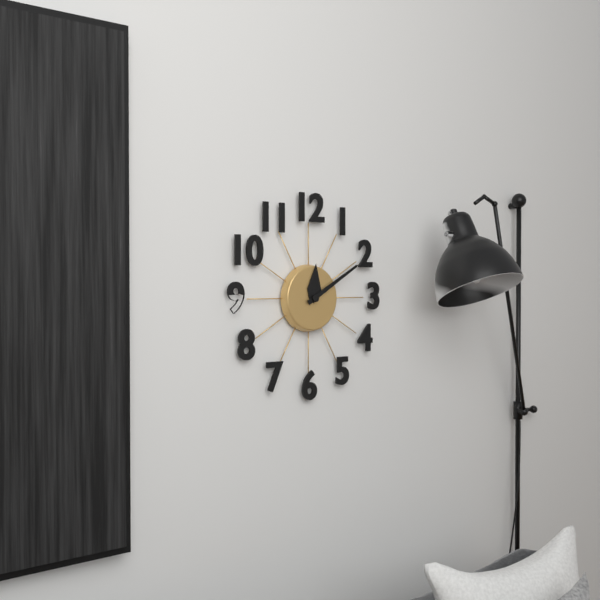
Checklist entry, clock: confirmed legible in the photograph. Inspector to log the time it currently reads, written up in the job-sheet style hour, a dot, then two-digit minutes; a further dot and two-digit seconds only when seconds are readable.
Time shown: 12.10
